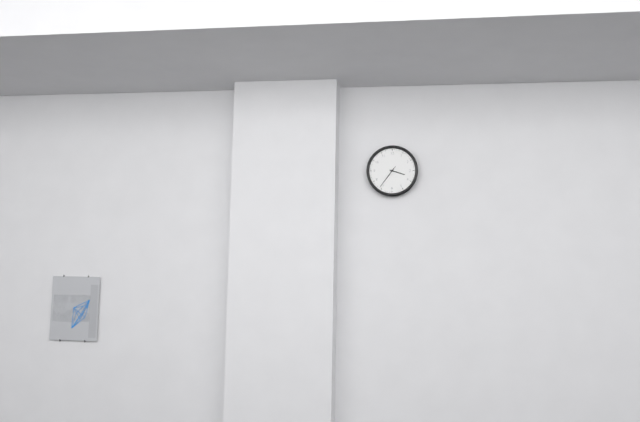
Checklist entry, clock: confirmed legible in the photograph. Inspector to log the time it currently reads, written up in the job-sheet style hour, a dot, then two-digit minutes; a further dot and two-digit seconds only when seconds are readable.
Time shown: 3.36
